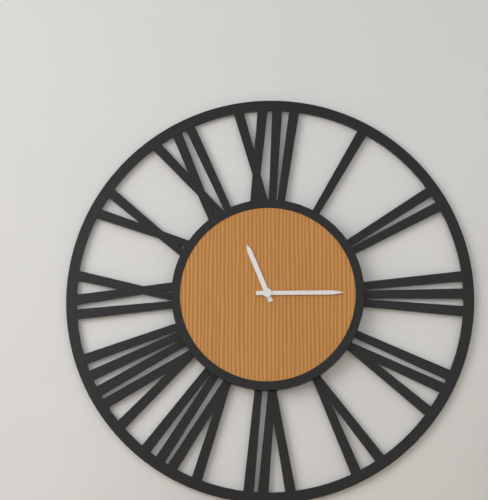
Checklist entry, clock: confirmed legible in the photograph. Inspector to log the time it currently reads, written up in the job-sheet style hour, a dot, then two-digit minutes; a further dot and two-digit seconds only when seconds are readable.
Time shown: 11.15
